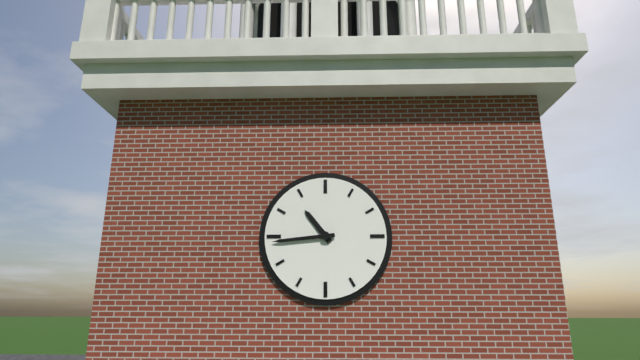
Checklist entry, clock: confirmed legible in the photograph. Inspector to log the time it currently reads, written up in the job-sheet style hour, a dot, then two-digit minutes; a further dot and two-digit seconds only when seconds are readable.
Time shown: 10.44
